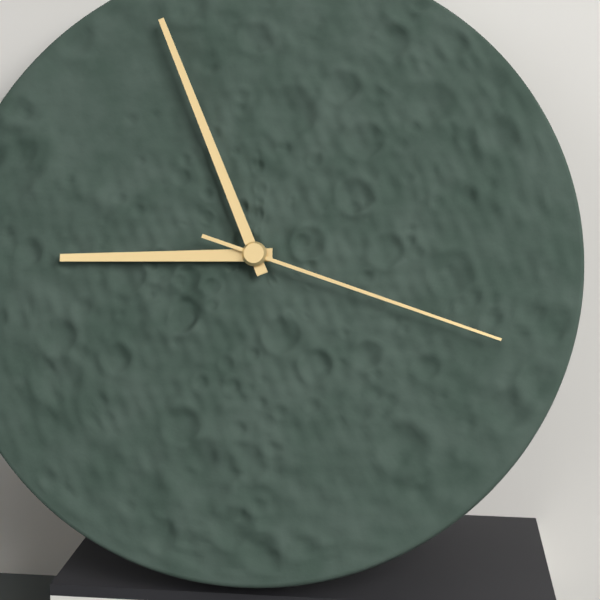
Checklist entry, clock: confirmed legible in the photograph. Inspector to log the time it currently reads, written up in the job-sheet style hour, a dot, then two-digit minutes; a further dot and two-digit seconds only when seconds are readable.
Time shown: 8.56.18
